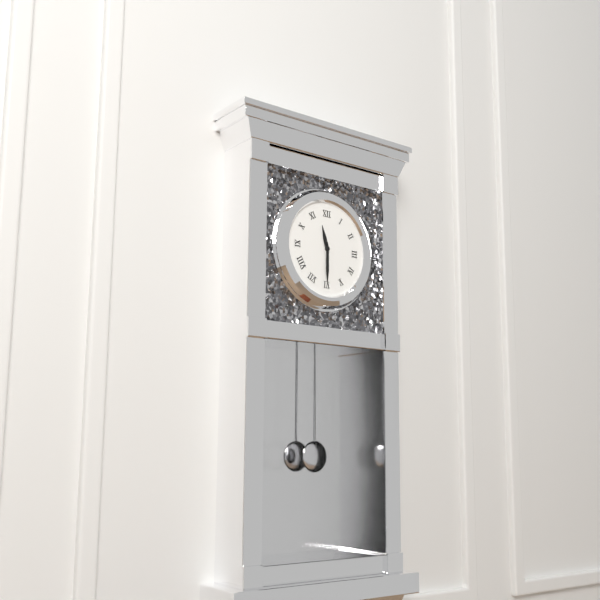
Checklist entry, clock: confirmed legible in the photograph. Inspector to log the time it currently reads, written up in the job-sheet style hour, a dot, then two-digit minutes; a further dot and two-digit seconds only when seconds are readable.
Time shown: 11.30
